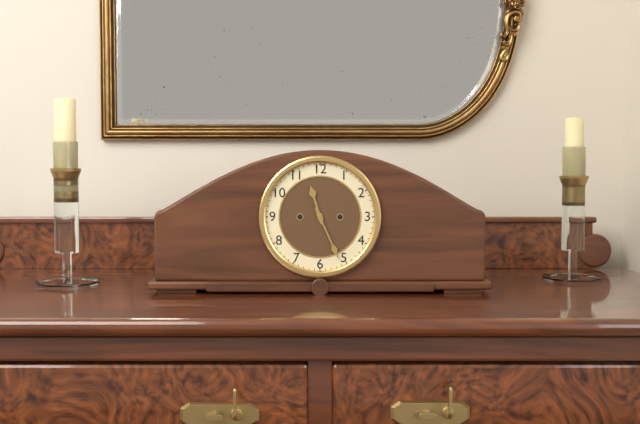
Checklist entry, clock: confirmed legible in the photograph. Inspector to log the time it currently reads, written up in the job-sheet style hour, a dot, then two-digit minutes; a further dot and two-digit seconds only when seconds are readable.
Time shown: 11.26
